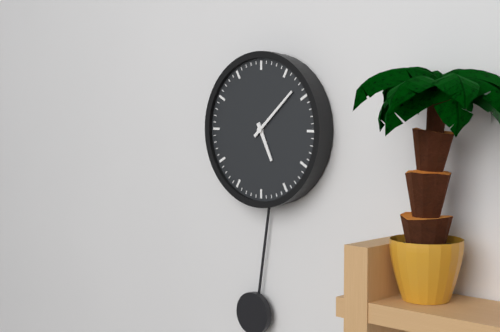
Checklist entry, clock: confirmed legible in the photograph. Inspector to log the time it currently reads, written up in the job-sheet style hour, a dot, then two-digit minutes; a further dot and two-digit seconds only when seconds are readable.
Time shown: 5.08
